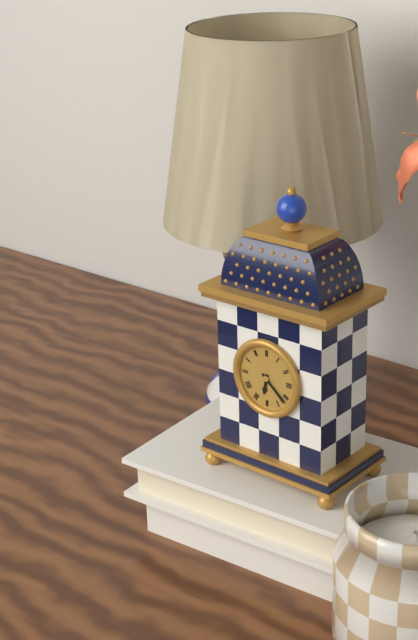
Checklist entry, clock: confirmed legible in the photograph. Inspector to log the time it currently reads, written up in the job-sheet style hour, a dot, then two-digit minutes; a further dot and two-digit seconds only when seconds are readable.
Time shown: 6.22
